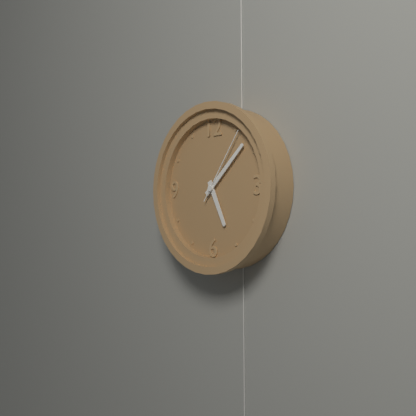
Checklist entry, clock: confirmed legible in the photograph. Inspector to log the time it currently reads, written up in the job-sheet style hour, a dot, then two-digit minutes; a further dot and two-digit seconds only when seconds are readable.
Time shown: 5.08.06
